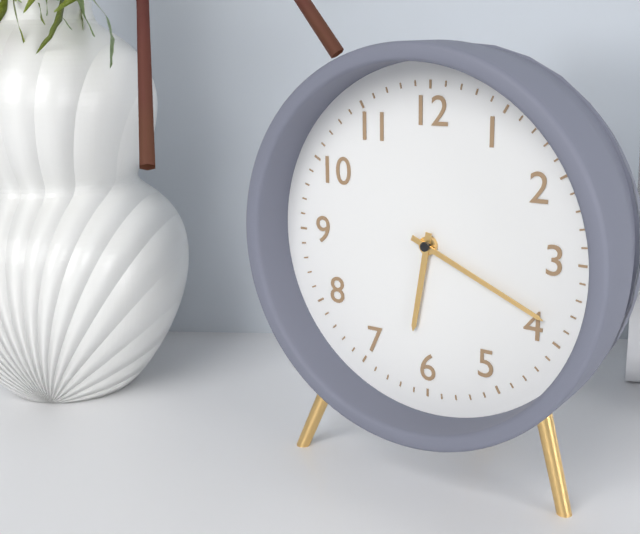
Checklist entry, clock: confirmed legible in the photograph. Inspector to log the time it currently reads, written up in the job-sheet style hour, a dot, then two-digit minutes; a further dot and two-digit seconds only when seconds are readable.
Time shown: 6.19
